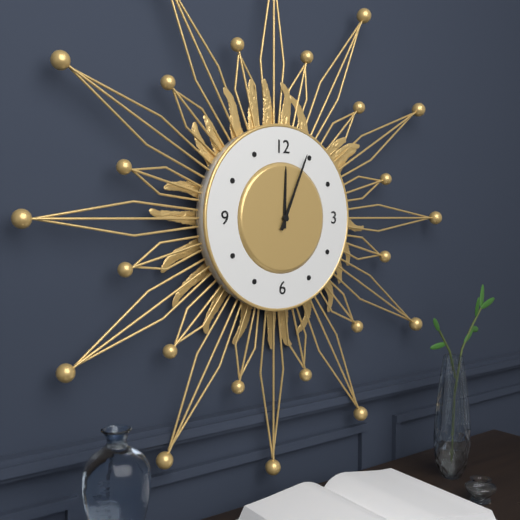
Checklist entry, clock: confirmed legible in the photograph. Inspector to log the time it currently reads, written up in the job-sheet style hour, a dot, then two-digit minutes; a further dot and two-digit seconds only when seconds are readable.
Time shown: 12.04
